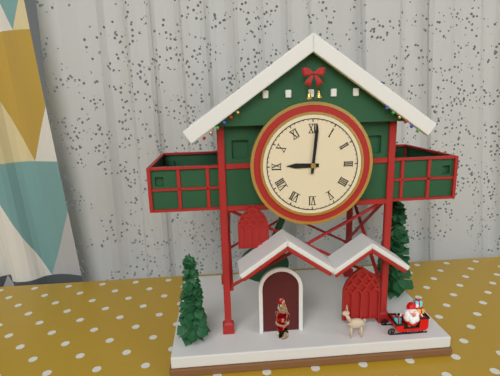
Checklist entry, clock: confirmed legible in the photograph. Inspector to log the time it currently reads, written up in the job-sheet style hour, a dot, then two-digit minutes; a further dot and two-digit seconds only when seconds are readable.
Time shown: 9.01
